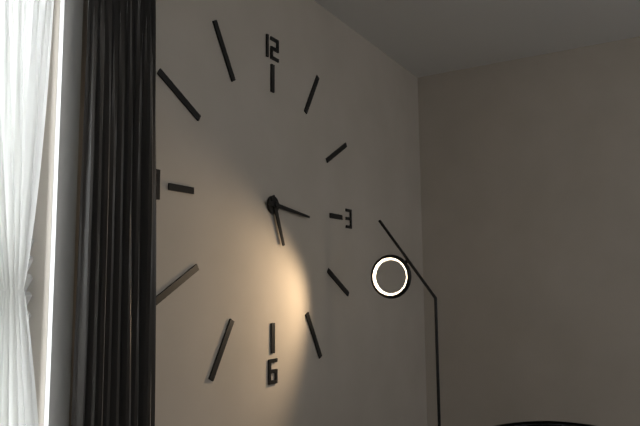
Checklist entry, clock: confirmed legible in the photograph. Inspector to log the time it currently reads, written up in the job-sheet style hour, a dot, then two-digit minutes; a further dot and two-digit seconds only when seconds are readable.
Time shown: 5.16
